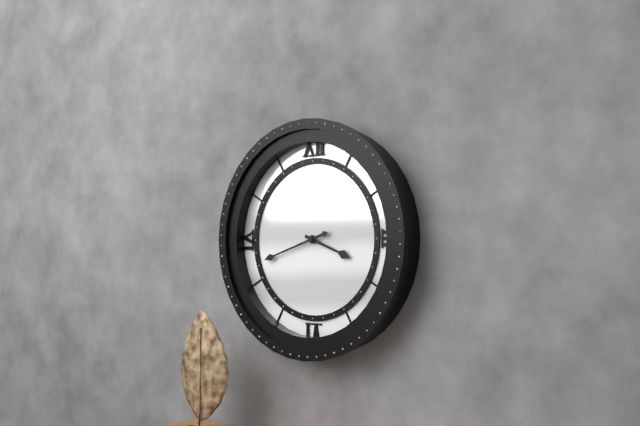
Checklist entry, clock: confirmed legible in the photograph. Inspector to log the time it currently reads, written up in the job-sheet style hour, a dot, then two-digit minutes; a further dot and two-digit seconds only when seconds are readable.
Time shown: 3.42
